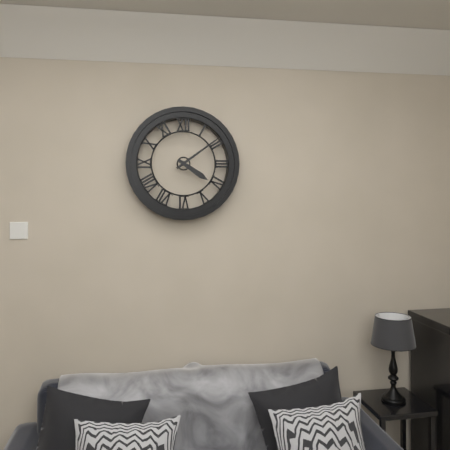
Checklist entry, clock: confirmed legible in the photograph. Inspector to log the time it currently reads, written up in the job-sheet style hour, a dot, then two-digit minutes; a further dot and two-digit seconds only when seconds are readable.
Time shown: 4.09
